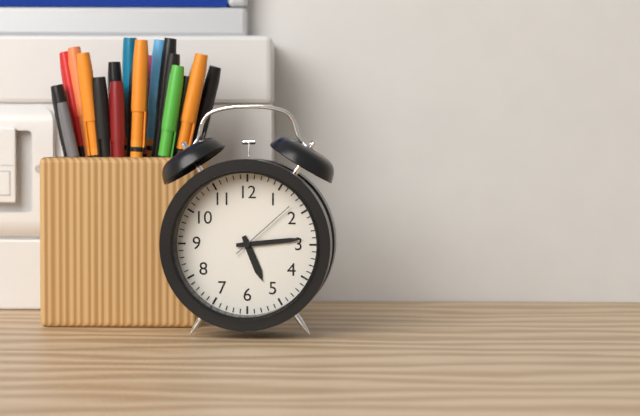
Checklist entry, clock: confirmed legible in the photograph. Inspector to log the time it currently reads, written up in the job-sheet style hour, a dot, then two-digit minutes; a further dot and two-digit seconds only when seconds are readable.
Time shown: 5.14.08
